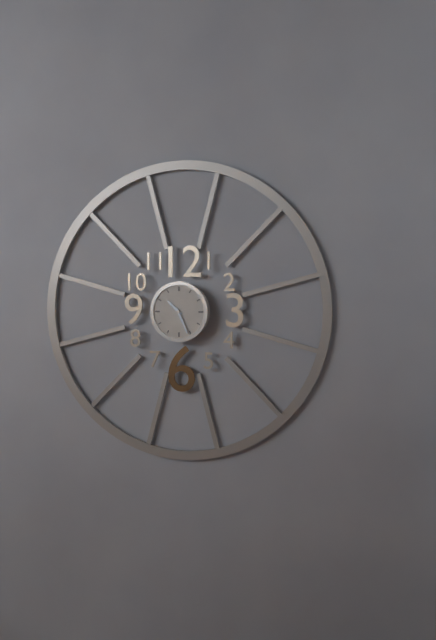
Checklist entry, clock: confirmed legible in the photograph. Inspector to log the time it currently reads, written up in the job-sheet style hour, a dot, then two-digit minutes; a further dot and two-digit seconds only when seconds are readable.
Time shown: 10.26
